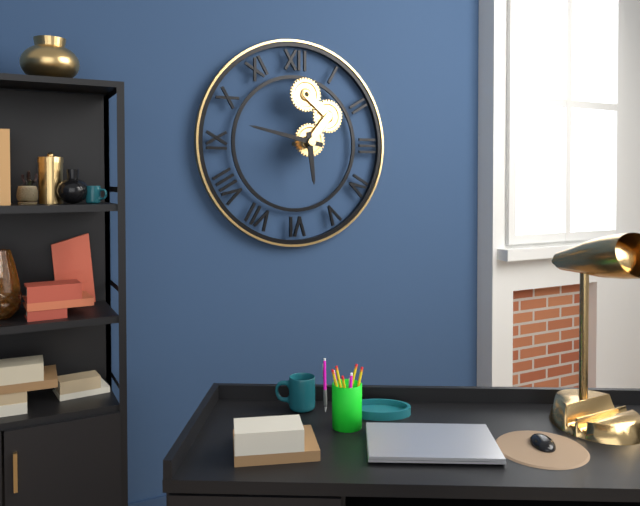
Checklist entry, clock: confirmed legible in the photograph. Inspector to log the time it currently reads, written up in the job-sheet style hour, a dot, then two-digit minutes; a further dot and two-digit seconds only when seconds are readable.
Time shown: 5.47
